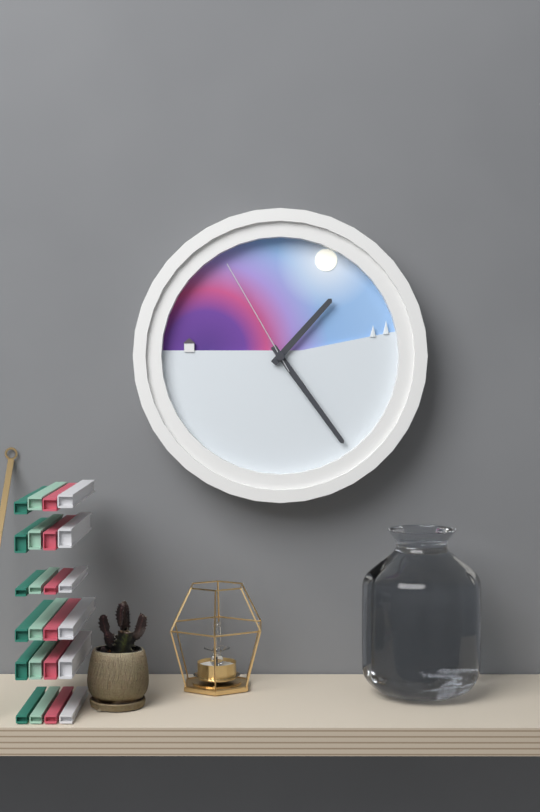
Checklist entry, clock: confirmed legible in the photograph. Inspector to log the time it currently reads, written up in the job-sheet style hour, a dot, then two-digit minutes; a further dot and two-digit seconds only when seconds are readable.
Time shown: 1.24.55
